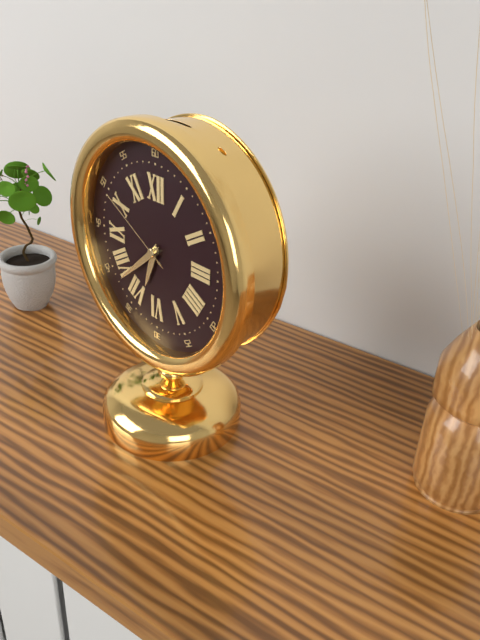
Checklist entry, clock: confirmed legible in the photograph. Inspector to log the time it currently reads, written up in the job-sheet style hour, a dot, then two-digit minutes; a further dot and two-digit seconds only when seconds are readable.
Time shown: 6.38.50
